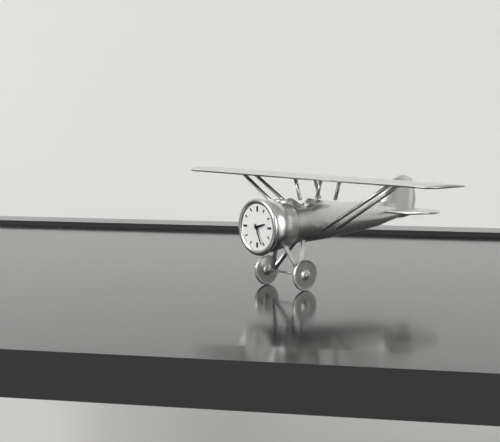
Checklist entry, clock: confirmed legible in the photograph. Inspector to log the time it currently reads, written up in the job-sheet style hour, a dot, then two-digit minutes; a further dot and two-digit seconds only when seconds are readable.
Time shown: 2.26
